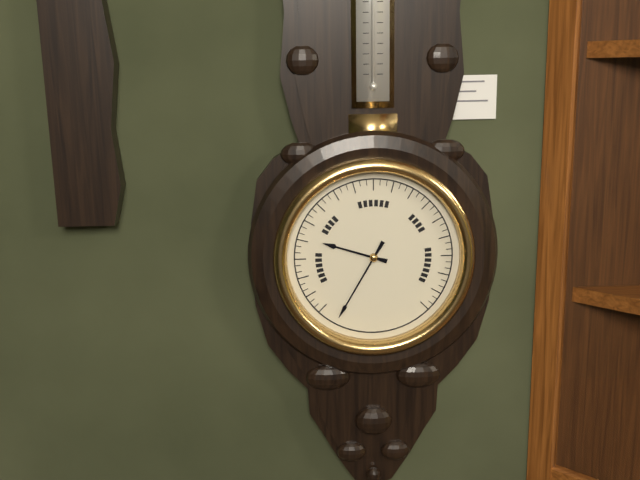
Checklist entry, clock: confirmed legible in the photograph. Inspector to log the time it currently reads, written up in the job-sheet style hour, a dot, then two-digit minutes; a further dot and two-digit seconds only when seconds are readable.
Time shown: 9.35
